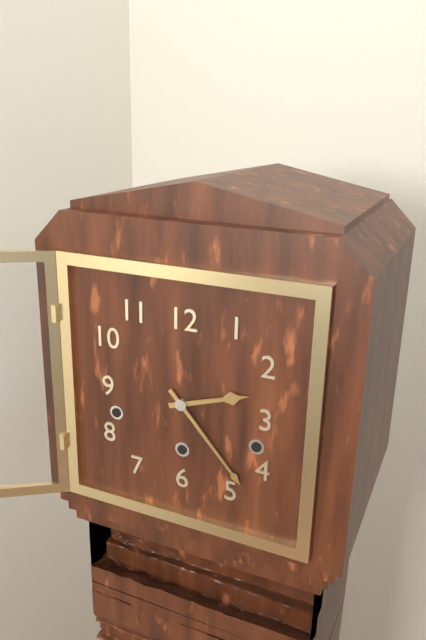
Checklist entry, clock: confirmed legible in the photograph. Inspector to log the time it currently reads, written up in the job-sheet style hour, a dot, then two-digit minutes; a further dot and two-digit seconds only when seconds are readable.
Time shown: 2.23
